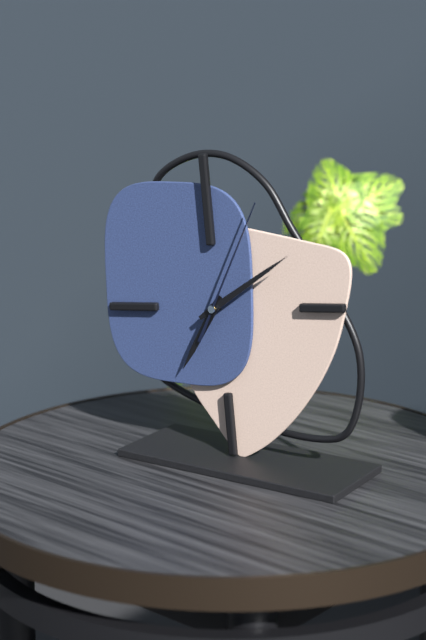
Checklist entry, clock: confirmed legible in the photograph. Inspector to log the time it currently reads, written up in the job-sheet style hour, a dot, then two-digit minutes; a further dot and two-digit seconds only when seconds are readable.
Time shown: 7.10.05
